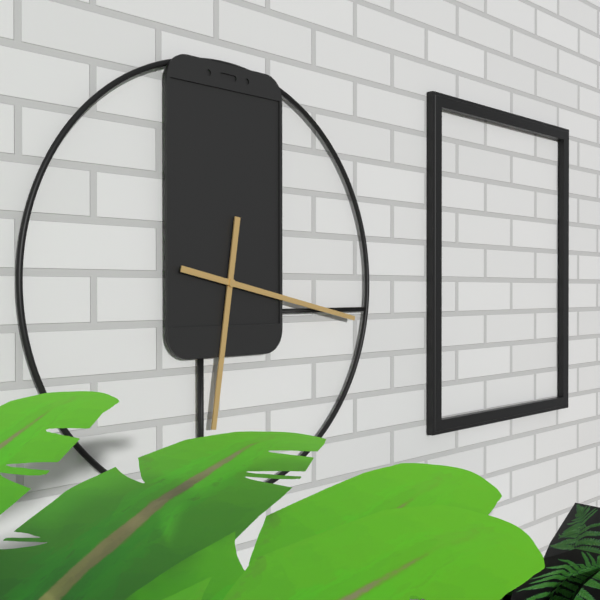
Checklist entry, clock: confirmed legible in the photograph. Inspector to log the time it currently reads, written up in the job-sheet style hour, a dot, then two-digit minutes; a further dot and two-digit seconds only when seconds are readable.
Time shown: 6.17
